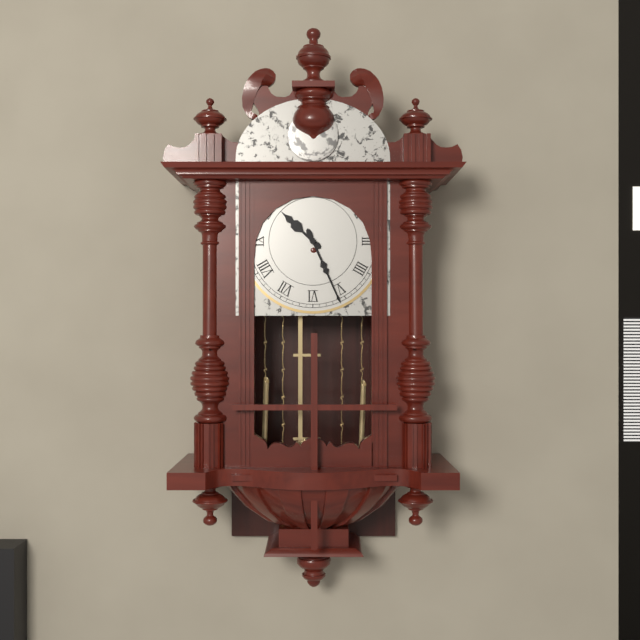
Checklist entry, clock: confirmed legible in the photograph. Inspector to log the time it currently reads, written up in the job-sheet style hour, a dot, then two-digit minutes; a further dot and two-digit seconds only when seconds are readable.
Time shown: 10.26
